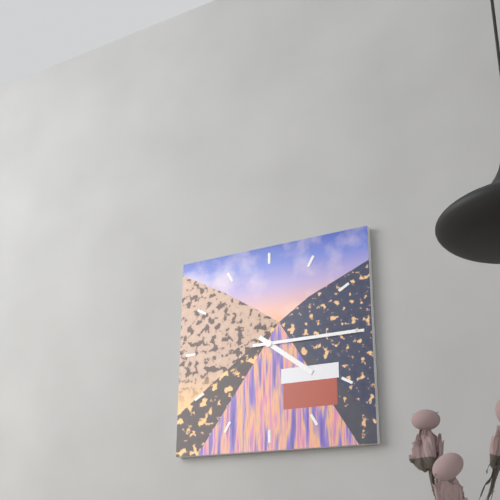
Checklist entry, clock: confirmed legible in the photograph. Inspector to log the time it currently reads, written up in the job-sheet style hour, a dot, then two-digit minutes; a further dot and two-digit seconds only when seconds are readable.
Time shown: 4.15
